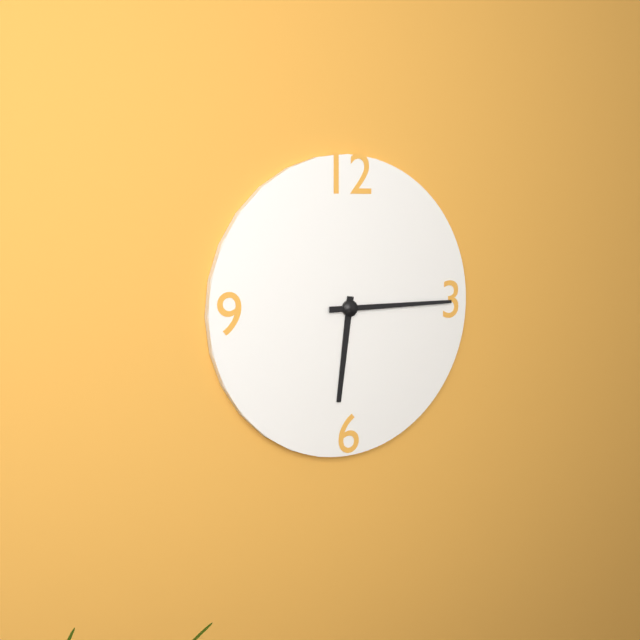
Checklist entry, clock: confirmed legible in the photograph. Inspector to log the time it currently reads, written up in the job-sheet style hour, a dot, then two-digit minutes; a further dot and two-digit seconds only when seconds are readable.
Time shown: 6.15
